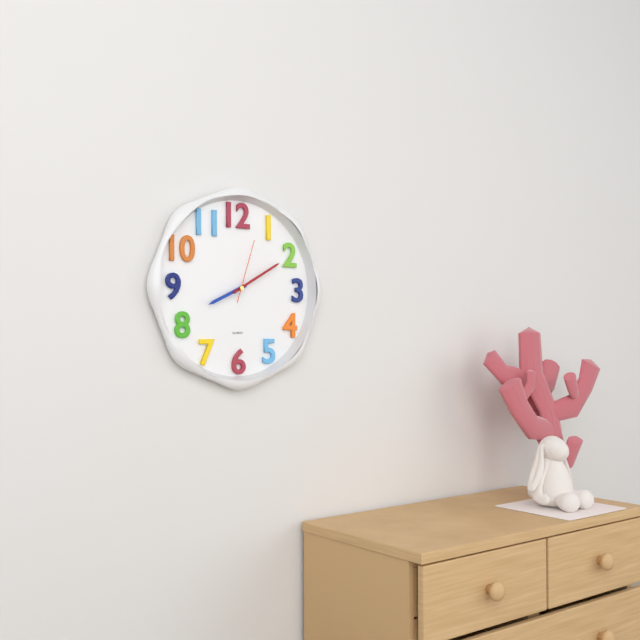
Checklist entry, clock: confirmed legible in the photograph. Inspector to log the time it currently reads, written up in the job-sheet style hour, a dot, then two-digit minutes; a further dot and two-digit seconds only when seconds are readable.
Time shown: 8.10.03
